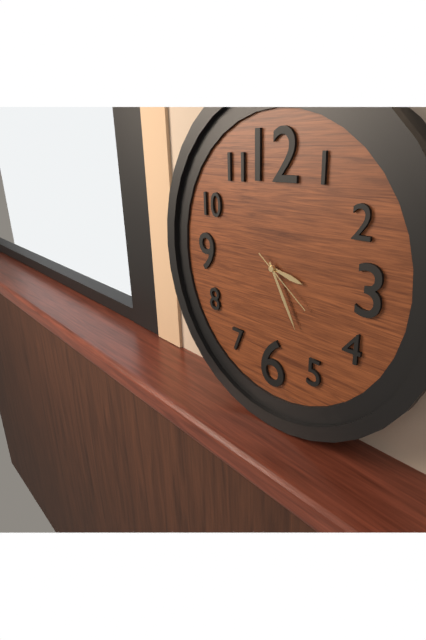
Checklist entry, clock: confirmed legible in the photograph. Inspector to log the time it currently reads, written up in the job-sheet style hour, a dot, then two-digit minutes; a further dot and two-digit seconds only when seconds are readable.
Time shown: 3.25.21
